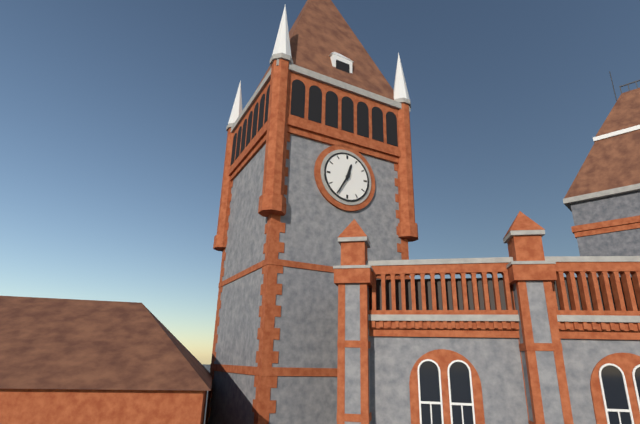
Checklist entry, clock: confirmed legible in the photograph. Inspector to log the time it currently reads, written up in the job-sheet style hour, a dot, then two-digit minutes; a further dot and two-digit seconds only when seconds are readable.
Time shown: 12.35
